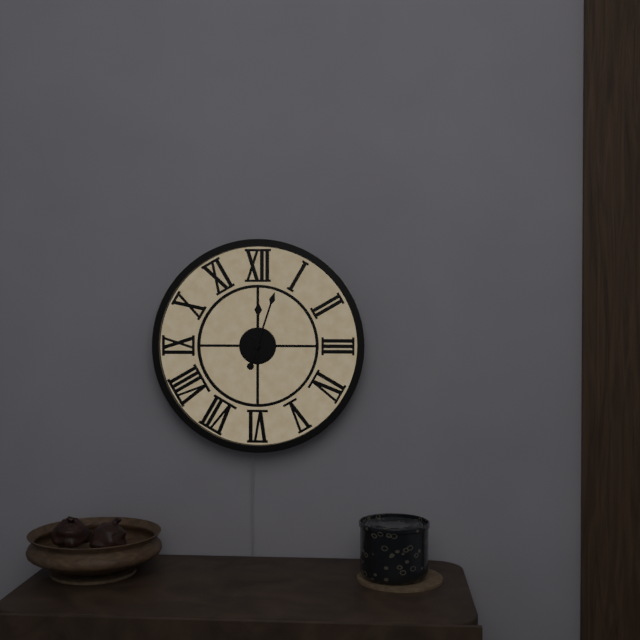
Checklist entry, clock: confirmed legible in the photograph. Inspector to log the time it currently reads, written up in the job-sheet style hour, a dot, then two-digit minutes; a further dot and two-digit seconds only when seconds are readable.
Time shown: 12.03
